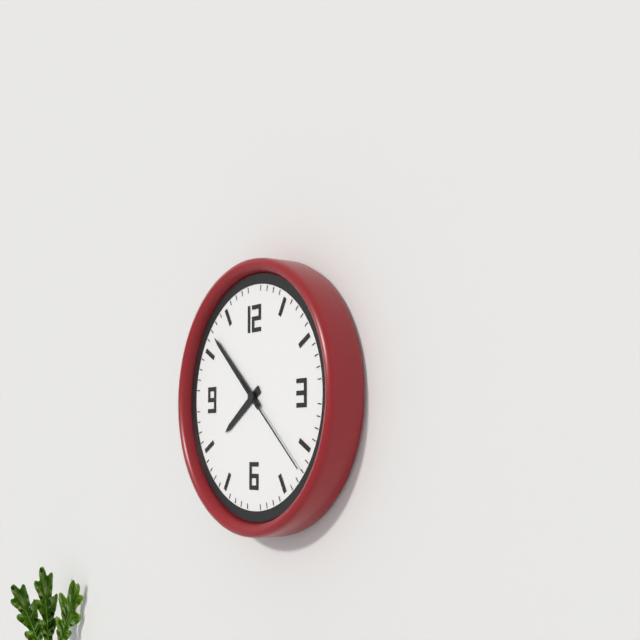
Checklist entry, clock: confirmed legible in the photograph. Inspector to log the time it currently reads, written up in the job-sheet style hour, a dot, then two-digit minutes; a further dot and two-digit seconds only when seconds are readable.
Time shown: 7.52.22
